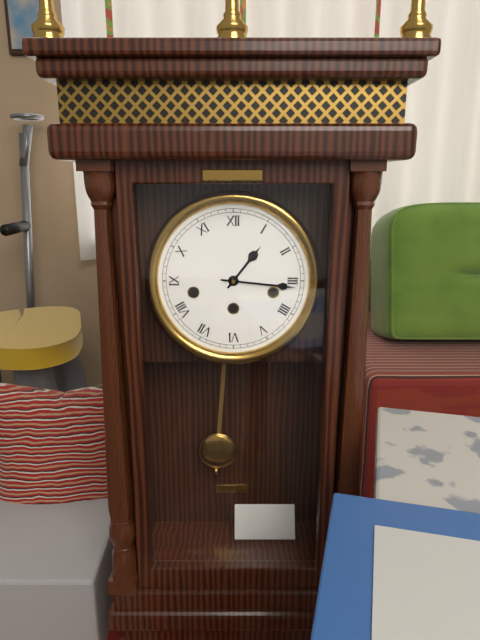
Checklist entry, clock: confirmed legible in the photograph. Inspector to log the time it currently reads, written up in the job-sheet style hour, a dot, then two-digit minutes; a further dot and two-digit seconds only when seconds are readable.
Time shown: 1.16
